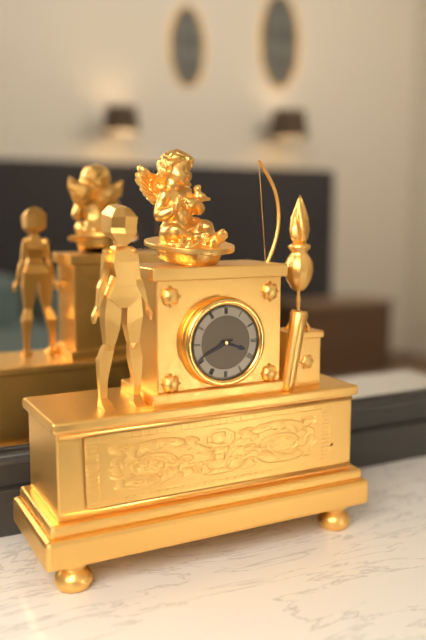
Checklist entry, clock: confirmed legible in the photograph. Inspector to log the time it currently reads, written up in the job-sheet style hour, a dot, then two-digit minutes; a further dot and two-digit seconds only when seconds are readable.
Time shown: 3.41
